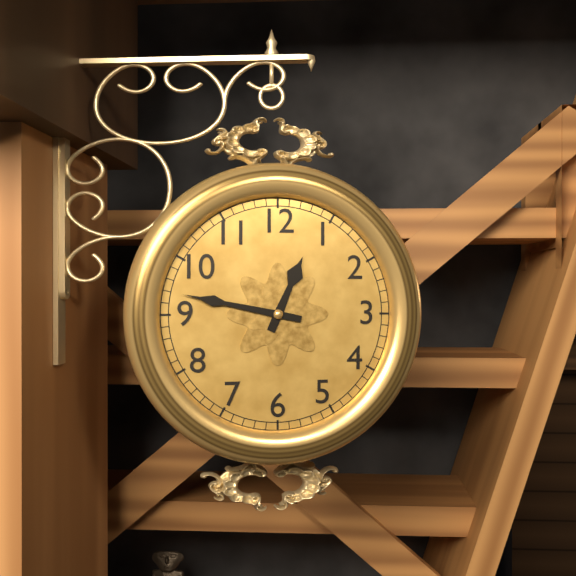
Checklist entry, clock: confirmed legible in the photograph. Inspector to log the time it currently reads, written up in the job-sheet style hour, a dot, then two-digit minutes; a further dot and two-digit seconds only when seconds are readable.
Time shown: 12.47
